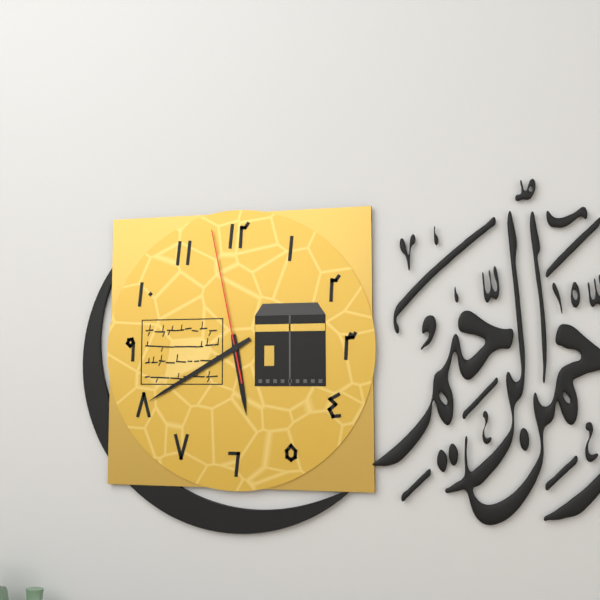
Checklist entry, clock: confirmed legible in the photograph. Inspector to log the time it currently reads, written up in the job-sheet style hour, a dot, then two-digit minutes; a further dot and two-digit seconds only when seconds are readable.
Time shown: 5.40.58
